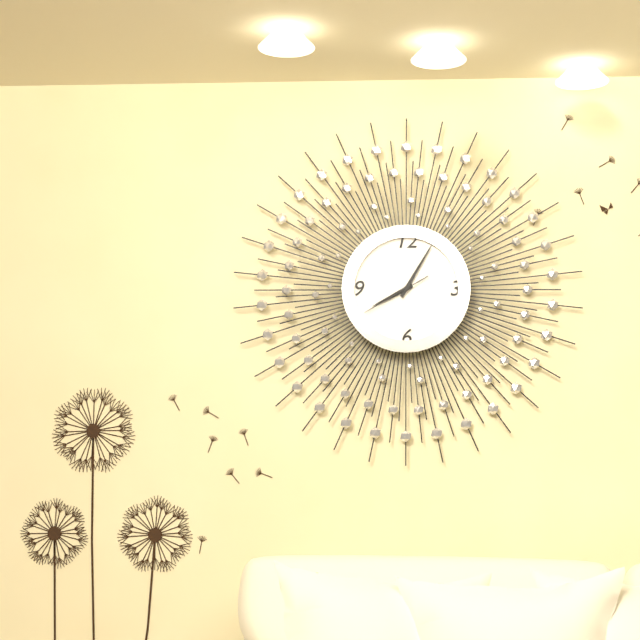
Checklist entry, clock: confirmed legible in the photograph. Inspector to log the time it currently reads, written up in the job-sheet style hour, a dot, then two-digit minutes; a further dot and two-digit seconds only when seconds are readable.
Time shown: 8.05.40
